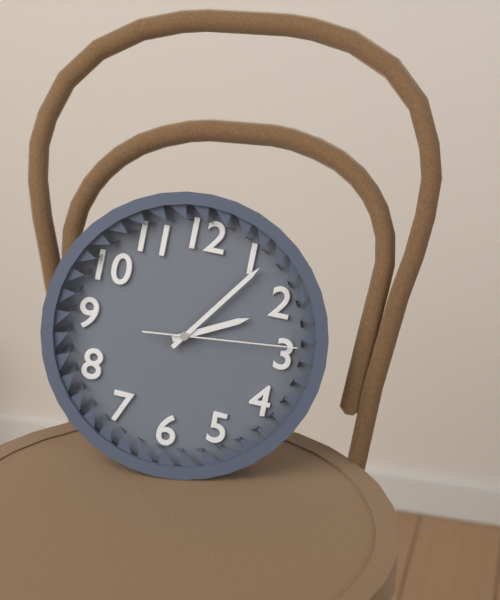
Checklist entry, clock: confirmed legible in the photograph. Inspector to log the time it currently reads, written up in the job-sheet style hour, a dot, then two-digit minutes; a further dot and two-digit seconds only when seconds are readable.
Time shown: 2.06.14
